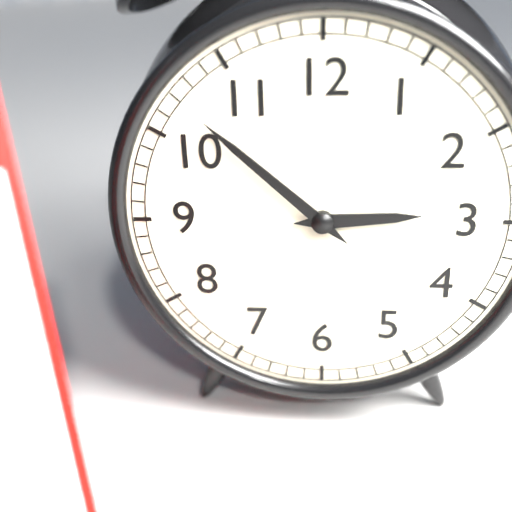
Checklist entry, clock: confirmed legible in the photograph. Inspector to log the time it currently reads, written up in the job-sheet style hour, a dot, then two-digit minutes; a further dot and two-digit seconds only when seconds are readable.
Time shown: 2.52
